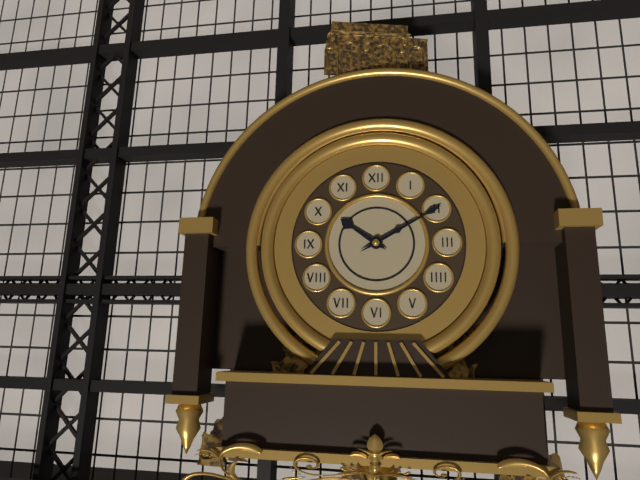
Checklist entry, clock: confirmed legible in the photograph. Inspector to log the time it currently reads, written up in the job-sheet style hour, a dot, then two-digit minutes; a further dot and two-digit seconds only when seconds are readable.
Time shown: 10.10
